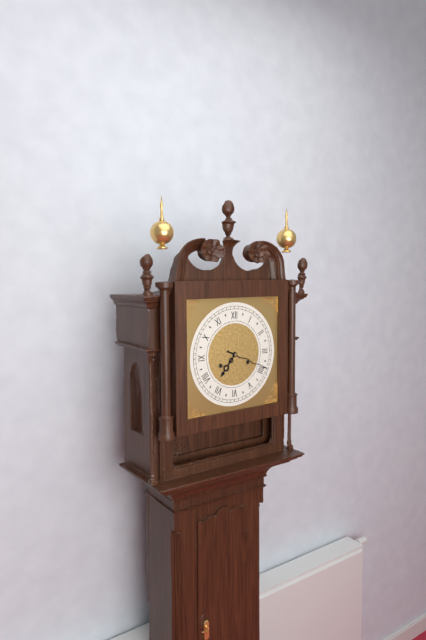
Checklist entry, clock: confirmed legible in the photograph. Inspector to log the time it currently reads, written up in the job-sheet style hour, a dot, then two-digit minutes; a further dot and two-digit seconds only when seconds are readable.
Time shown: 7.19
